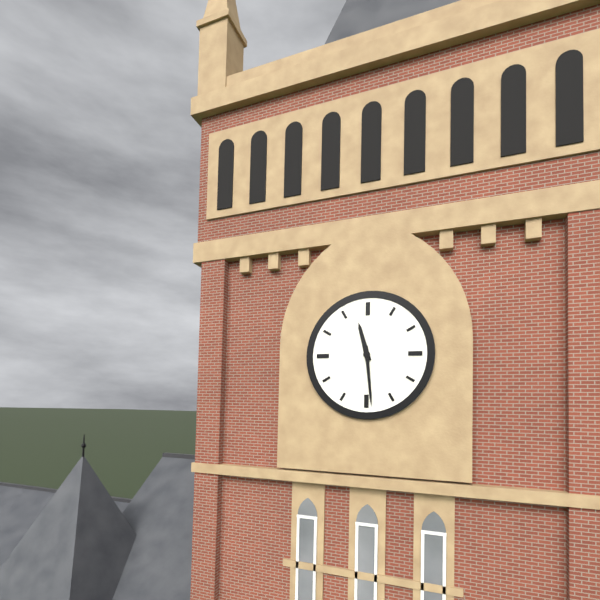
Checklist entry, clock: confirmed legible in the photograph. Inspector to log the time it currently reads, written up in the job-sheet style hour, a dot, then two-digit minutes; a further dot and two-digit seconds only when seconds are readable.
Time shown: 11.29
